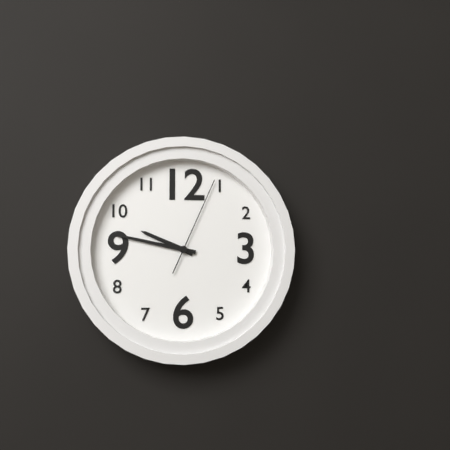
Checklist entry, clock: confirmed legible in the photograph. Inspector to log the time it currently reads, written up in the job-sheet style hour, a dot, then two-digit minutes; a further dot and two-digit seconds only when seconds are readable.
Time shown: 9.47.04
